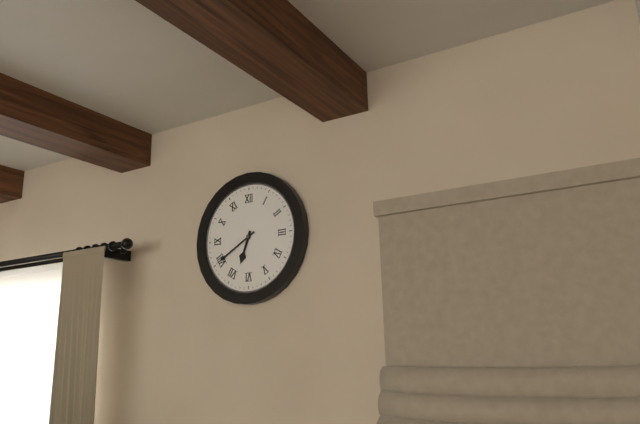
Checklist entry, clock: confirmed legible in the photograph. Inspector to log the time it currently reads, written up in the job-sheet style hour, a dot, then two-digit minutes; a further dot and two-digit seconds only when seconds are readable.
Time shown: 6.40
